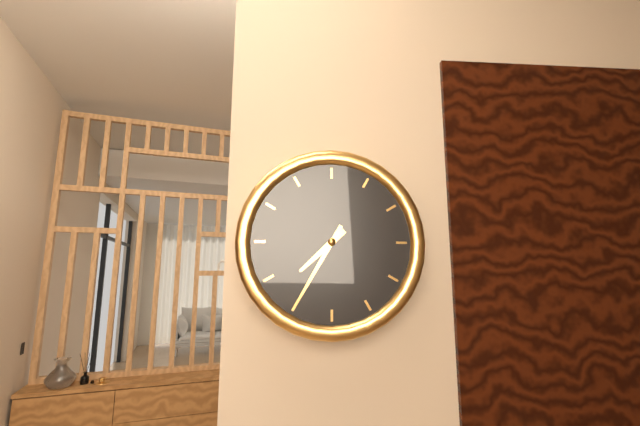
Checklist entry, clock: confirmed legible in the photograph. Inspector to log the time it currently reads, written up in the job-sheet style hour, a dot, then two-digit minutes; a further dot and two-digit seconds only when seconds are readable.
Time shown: 7.35
